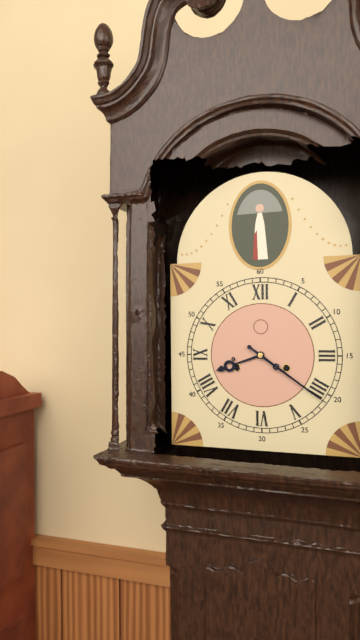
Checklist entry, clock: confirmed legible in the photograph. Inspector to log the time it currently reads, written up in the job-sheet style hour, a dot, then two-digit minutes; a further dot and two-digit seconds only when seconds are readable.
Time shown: 8.21
